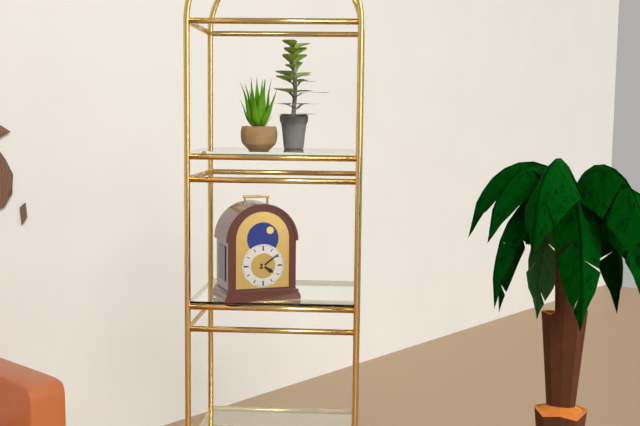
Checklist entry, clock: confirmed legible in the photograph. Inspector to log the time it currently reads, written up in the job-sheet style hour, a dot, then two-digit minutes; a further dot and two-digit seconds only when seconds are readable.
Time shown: 4.09
